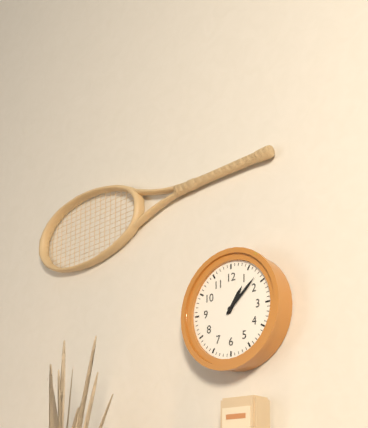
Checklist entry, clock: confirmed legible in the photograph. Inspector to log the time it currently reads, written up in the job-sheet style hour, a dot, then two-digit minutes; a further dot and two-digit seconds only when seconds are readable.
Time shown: 1.08
